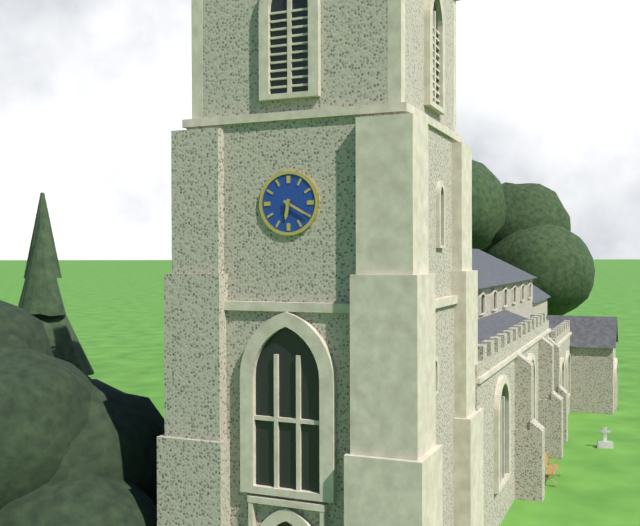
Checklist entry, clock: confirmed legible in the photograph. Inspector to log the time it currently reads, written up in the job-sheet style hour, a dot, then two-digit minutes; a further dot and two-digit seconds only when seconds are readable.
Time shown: 6.20
